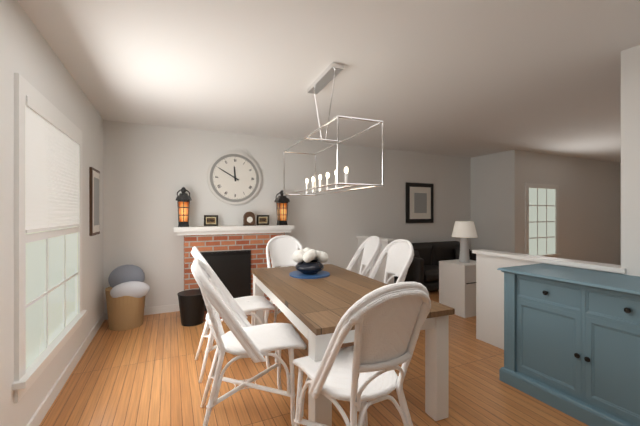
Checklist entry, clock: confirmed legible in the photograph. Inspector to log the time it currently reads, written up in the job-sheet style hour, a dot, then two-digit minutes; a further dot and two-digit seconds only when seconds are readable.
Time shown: 11.50
